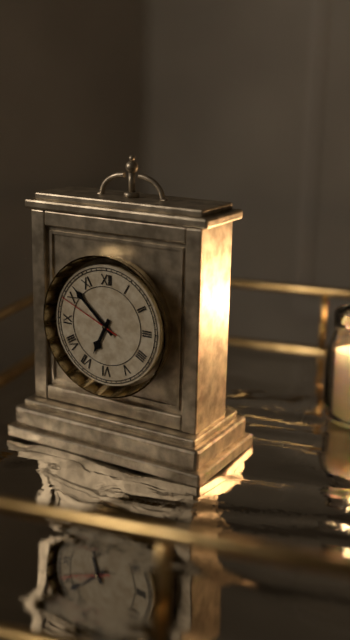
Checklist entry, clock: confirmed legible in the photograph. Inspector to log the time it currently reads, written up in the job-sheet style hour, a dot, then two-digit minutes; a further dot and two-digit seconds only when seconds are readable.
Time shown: 6.52.49
